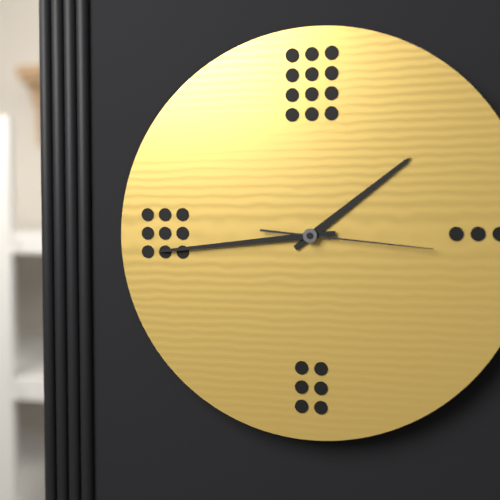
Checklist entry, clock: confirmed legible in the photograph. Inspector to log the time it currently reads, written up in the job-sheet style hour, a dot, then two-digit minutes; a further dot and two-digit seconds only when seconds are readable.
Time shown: 1.44.16
